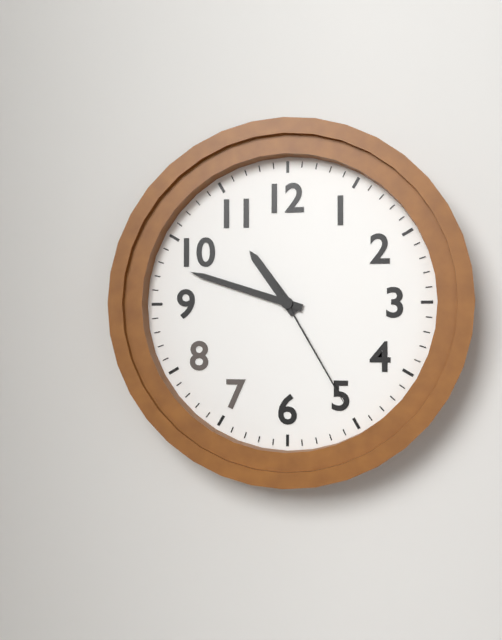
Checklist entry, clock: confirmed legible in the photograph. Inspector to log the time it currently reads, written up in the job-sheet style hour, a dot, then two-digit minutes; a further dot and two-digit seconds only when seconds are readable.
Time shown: 10.48.25
